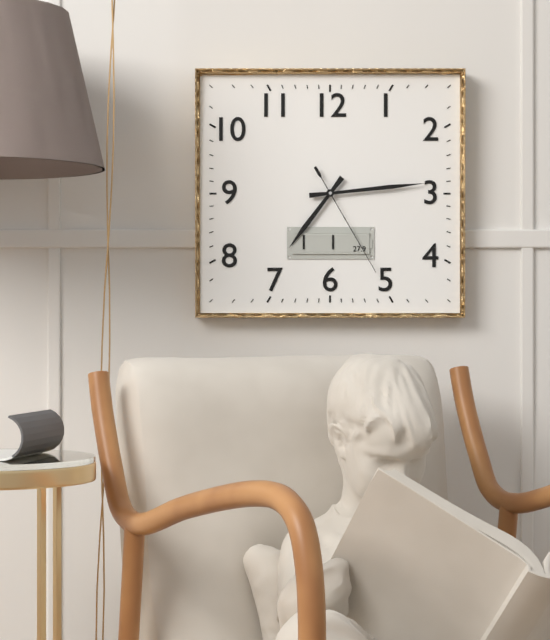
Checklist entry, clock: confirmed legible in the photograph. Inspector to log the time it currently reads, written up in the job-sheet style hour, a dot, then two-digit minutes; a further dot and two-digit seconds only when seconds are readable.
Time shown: 7.14.25
